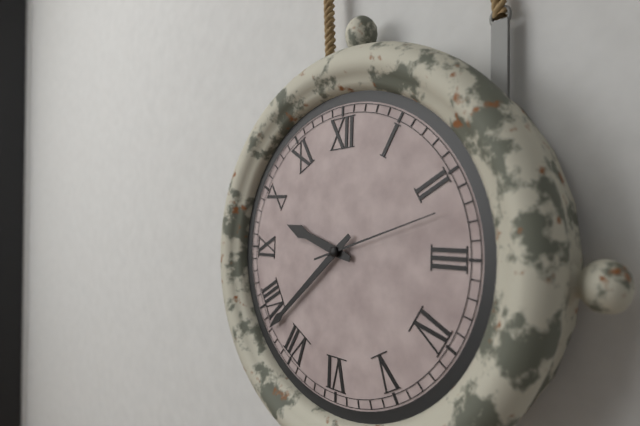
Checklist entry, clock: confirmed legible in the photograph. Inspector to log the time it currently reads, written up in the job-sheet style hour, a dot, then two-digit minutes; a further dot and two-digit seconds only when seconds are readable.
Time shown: 9.38.12
